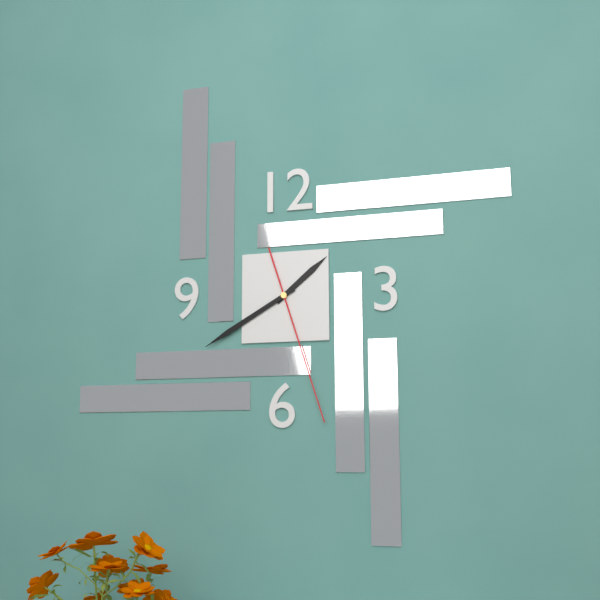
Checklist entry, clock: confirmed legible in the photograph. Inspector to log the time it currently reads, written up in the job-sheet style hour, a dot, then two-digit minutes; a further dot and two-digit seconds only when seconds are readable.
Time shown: 1.40.27
